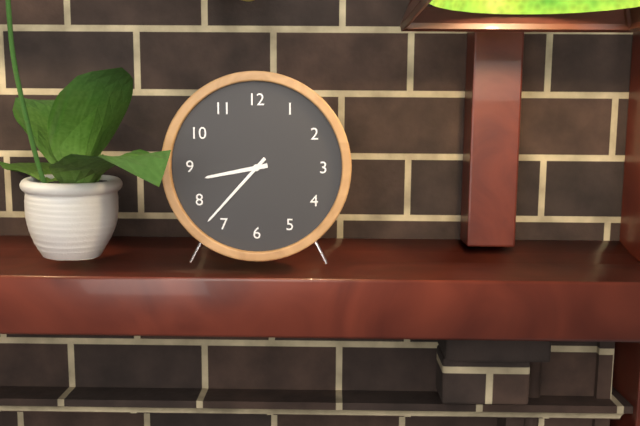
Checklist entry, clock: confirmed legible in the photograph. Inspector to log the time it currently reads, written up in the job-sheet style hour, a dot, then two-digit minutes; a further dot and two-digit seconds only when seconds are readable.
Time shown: 8.37
